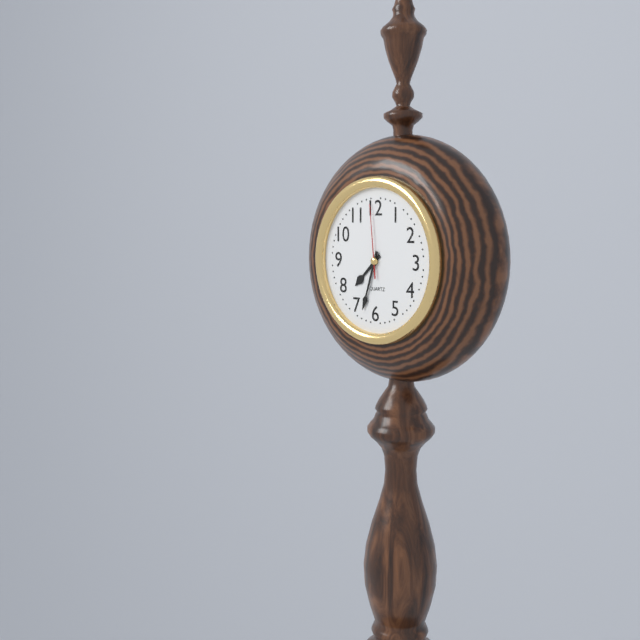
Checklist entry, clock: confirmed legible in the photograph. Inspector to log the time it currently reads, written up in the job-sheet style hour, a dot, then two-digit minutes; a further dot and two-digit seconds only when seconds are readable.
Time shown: 7.33.59
